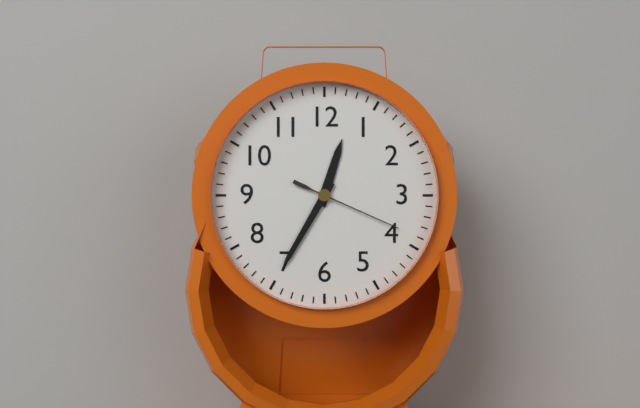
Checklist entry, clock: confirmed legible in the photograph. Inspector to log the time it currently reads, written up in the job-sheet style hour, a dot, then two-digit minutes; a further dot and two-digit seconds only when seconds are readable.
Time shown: 12.35.19
